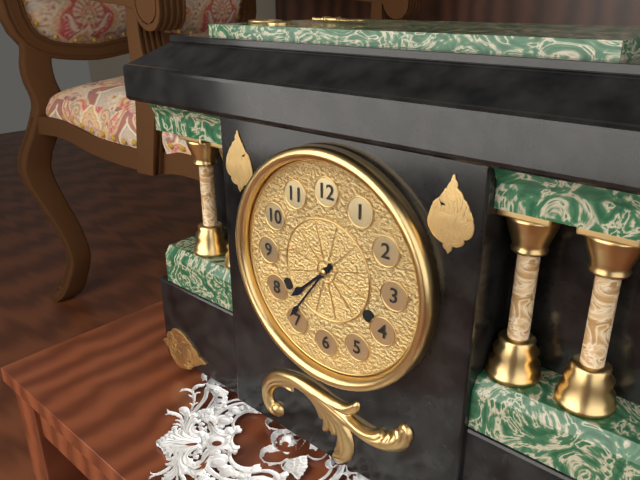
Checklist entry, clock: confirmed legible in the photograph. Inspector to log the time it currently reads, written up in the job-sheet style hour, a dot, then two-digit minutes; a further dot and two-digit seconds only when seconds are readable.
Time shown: 7.36
